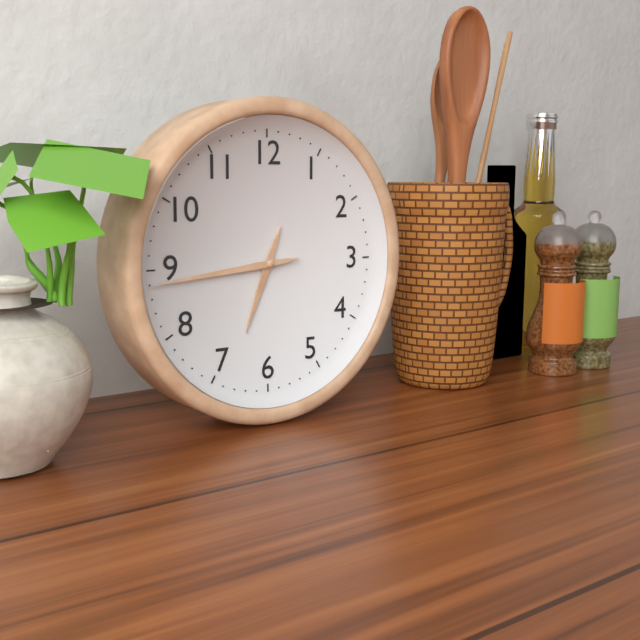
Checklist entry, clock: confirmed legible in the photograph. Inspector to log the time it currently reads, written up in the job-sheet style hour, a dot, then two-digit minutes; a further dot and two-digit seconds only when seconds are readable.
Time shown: 6.44
